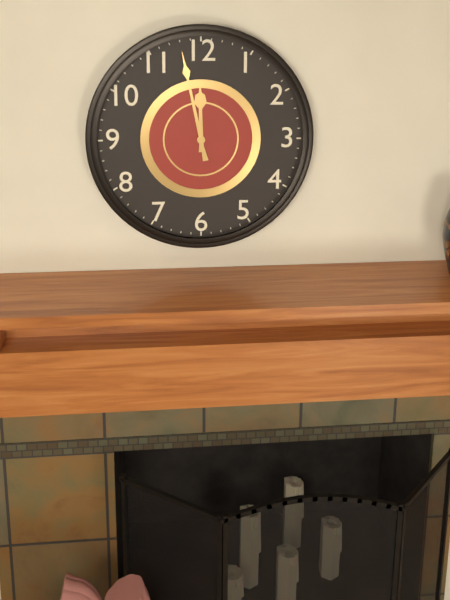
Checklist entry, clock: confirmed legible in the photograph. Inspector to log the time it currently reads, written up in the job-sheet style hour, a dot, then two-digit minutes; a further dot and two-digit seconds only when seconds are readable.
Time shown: 11.58
